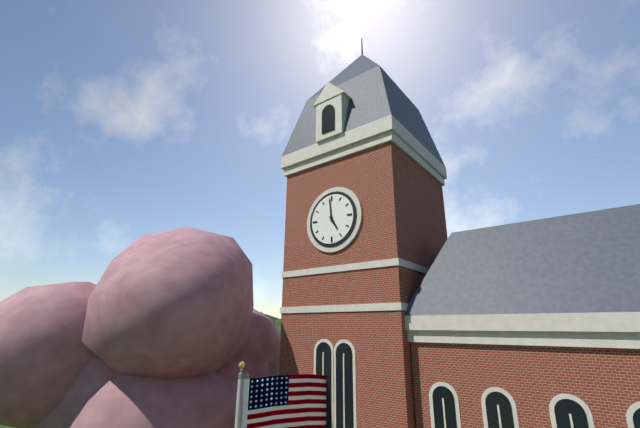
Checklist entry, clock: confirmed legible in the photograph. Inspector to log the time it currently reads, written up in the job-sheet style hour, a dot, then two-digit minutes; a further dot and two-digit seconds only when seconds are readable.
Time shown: 4.59
